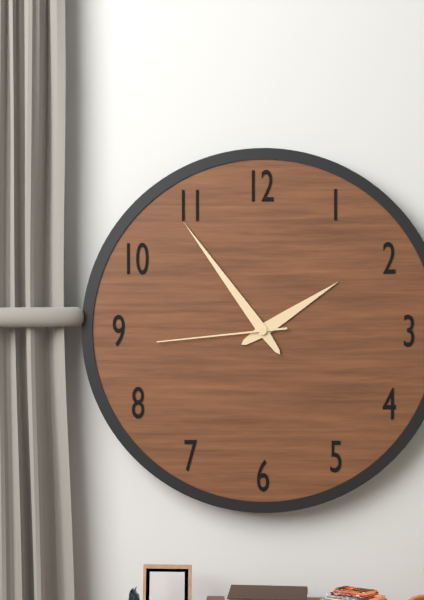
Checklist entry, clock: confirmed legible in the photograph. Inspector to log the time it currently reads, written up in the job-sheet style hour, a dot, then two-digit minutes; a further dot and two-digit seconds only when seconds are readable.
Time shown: 1.54.44
